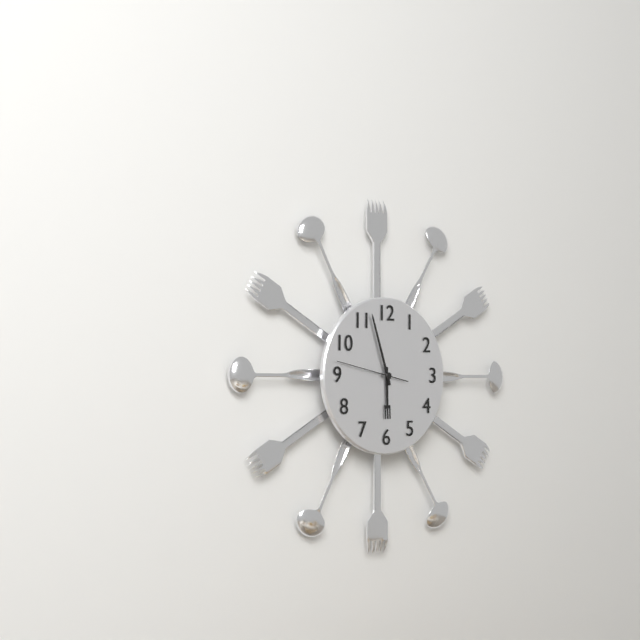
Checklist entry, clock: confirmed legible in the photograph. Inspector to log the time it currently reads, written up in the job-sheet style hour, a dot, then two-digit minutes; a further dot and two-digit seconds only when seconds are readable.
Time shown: 5.57.47
